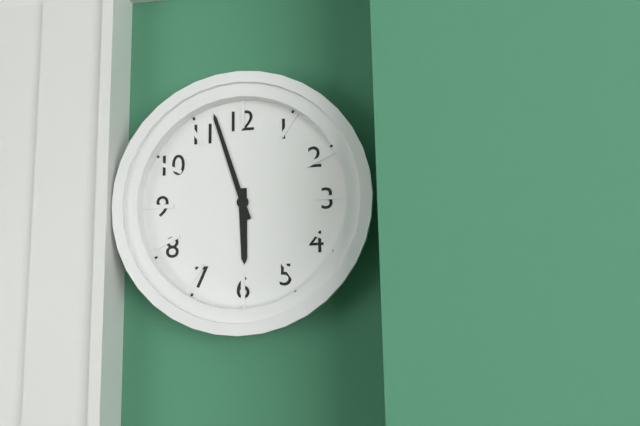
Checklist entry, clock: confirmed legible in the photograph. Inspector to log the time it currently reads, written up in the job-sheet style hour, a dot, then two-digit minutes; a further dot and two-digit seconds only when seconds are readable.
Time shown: 5.57
